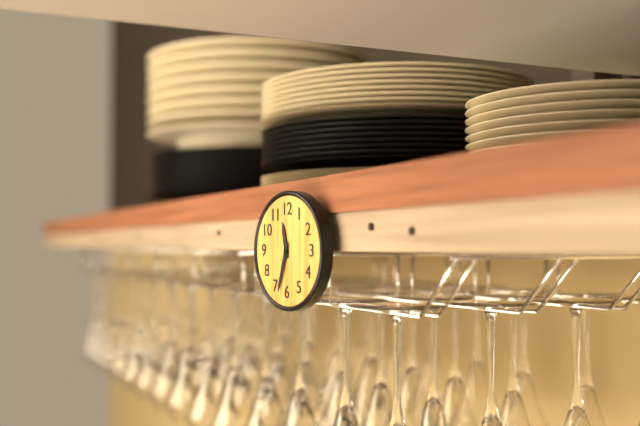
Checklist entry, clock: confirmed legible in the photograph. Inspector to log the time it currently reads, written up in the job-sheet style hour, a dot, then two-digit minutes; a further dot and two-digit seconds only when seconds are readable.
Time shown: 11.33
